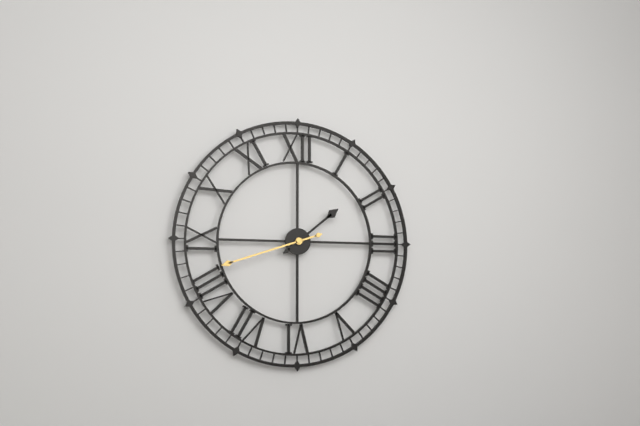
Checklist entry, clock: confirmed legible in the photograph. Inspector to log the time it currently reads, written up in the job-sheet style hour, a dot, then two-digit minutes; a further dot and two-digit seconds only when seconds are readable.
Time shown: 1.42
